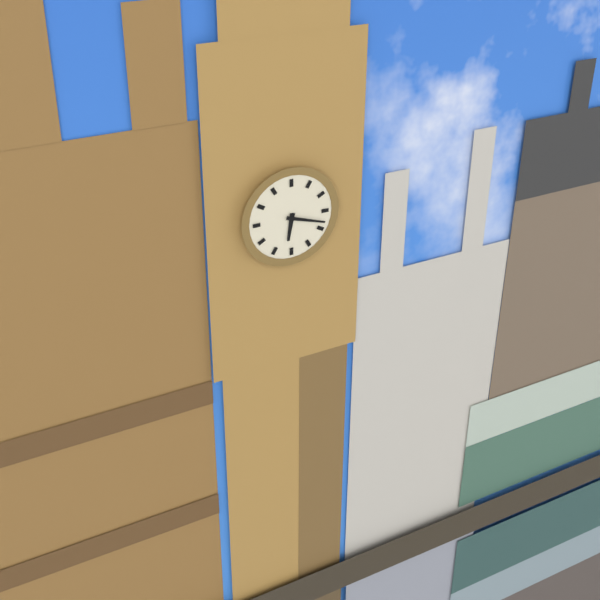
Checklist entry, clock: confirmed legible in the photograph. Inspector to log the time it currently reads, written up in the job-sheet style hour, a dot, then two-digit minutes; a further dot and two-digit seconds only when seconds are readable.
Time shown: 6.18
